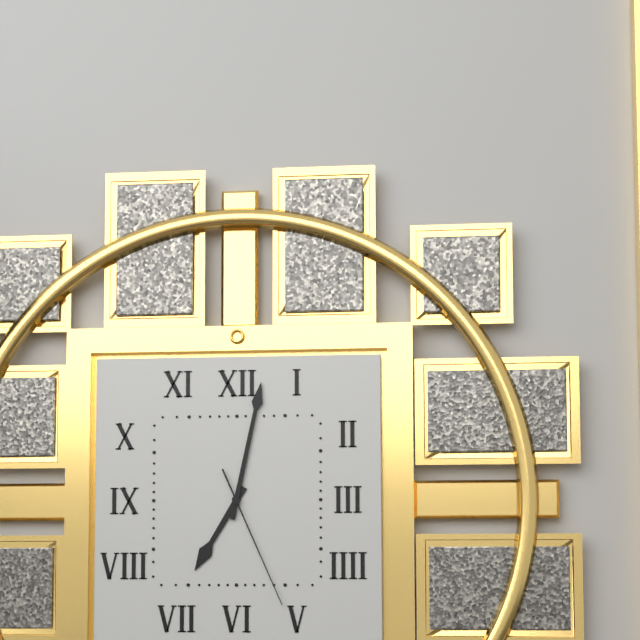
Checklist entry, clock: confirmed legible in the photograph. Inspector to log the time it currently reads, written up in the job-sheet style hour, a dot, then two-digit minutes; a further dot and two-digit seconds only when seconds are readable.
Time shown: 7.02.26
